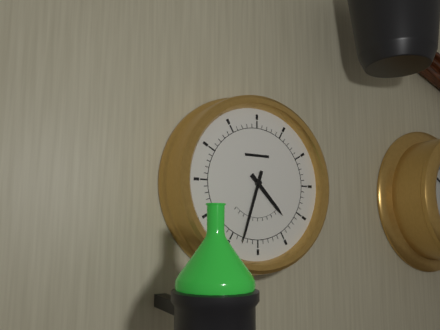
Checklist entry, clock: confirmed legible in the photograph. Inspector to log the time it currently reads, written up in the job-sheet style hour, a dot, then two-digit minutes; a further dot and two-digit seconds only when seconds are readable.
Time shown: 4.33
